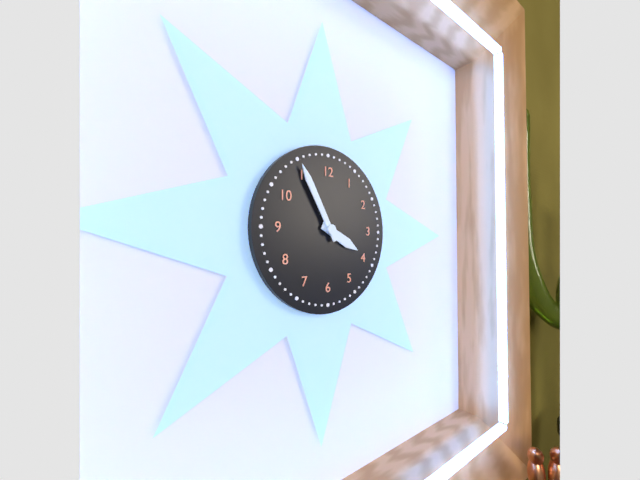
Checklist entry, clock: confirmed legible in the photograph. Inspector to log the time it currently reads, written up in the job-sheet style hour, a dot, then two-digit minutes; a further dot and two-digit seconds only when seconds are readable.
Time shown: 3.55
